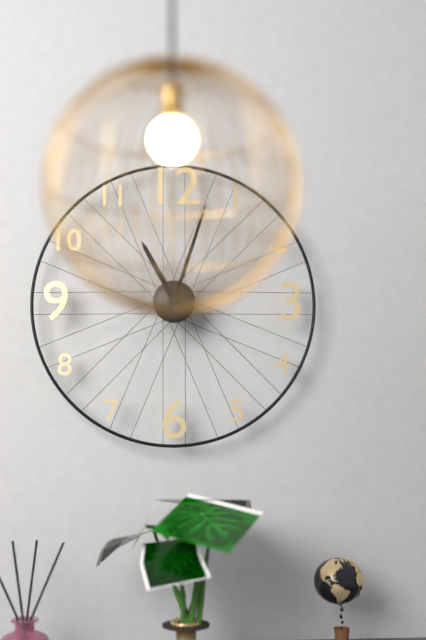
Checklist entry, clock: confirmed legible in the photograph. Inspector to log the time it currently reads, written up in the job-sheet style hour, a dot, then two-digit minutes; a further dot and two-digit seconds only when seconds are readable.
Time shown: 11.03
